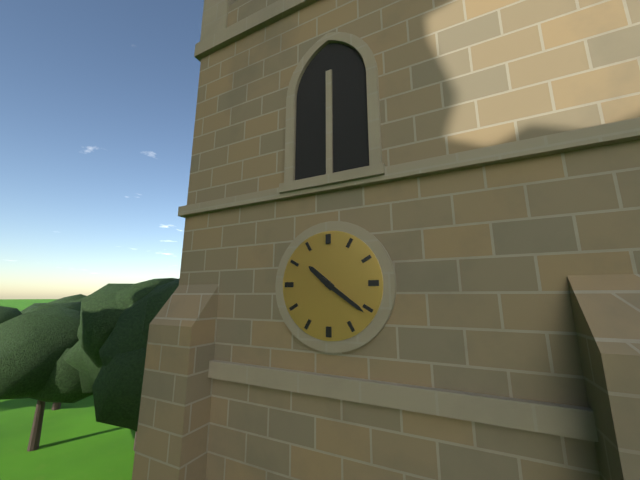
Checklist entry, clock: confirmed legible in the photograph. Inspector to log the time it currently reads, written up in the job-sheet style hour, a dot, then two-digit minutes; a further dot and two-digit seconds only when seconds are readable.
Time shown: 10.21
